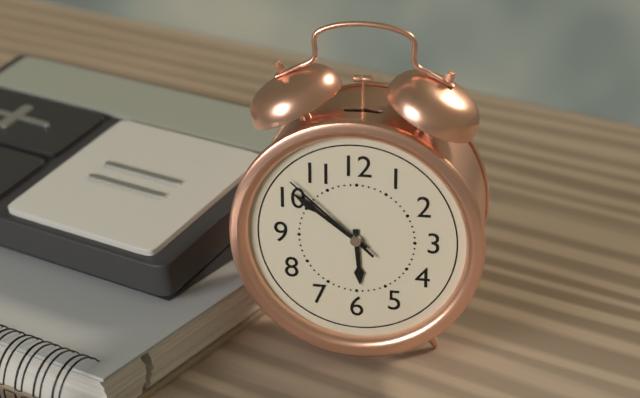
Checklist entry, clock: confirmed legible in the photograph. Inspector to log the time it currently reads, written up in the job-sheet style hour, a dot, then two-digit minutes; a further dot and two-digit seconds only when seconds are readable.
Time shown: 5.51.52
